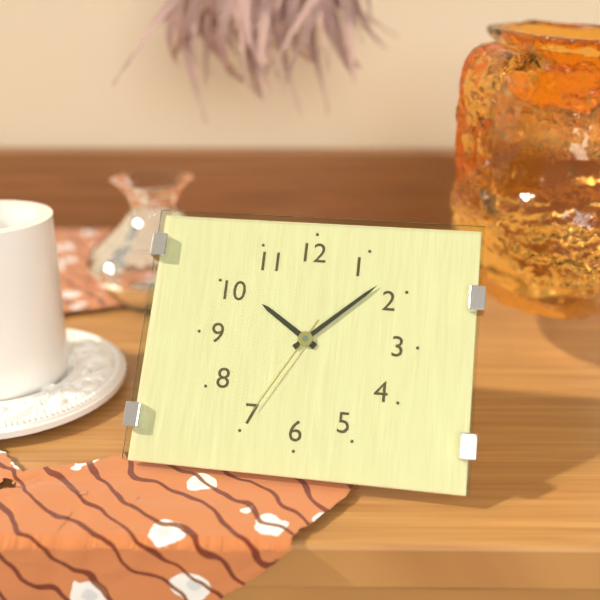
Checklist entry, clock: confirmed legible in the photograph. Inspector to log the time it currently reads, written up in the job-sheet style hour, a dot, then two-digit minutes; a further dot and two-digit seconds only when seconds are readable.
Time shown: 10.08.35
